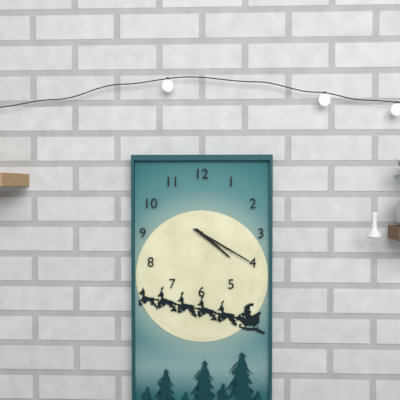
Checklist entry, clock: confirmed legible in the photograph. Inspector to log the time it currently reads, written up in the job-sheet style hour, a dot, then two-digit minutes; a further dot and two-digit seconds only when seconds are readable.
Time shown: 4.20
